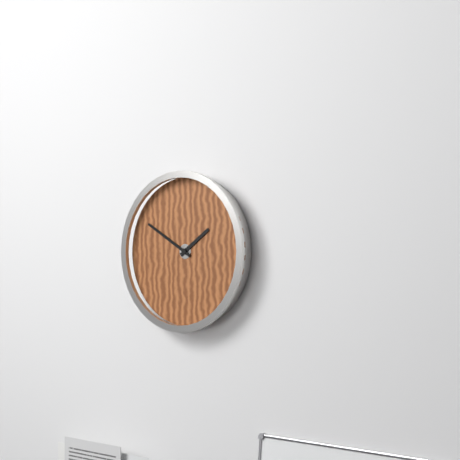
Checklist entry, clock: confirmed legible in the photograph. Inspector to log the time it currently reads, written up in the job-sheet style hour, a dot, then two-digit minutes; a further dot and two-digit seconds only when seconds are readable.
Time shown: 1.50
